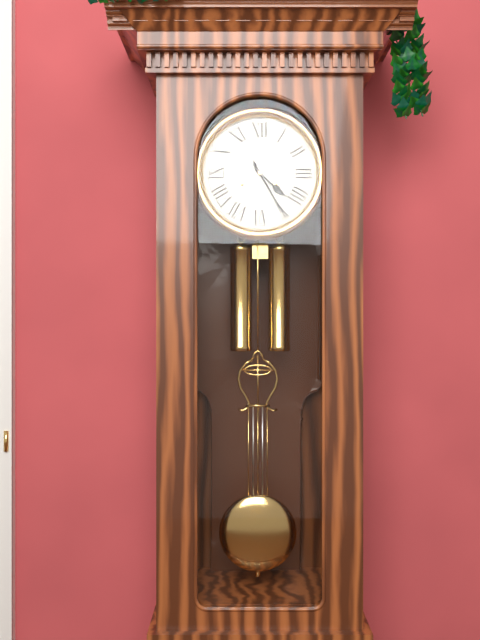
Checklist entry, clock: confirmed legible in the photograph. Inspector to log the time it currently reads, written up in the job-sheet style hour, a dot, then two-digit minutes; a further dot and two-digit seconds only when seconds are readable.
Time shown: 4.25
